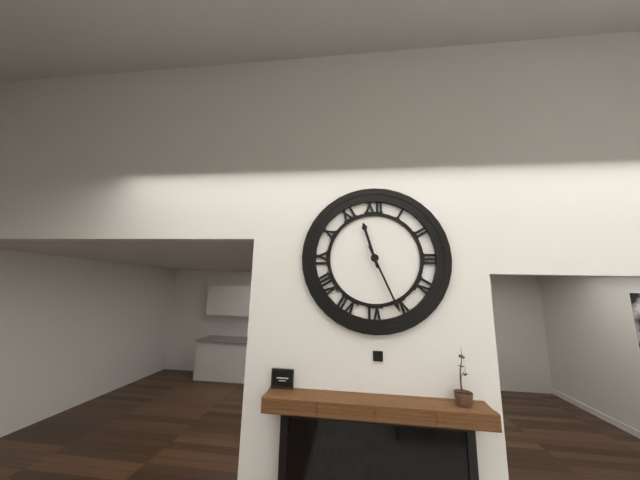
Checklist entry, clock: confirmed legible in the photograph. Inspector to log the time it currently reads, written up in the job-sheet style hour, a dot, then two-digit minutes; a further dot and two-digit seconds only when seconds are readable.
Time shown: 11.26
